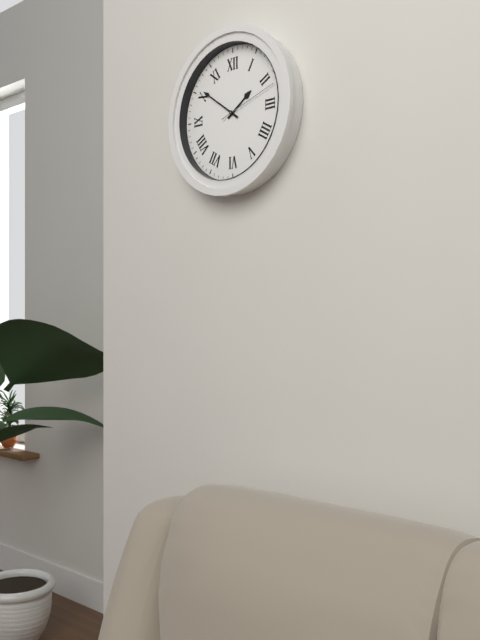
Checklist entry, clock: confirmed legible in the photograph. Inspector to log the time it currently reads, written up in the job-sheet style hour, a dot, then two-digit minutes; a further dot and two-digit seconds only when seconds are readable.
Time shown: 1.51.12
